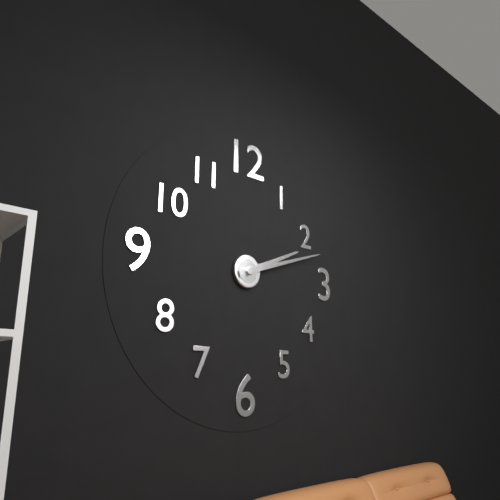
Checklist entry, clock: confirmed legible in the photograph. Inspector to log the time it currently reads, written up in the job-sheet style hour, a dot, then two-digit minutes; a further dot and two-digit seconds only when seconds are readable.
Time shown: 2.12
